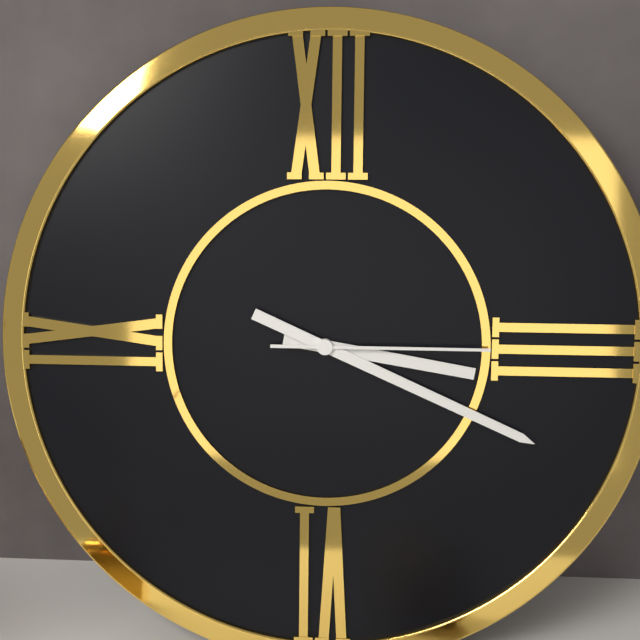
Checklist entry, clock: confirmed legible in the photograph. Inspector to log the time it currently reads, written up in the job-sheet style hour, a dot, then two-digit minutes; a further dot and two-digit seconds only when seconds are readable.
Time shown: 3.19.15
